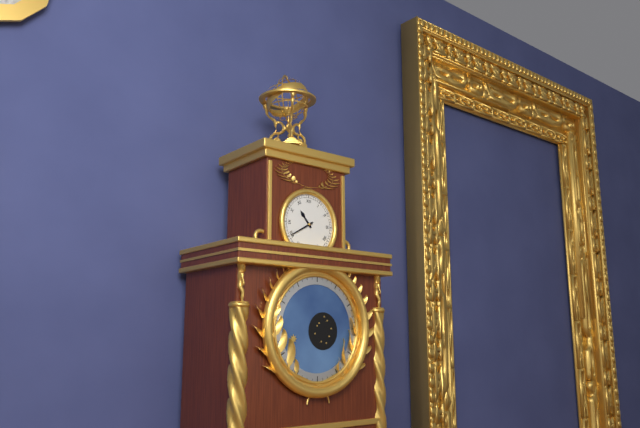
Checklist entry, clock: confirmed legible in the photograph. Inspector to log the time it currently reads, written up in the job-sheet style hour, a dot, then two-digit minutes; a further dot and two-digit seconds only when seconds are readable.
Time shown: 10.40
